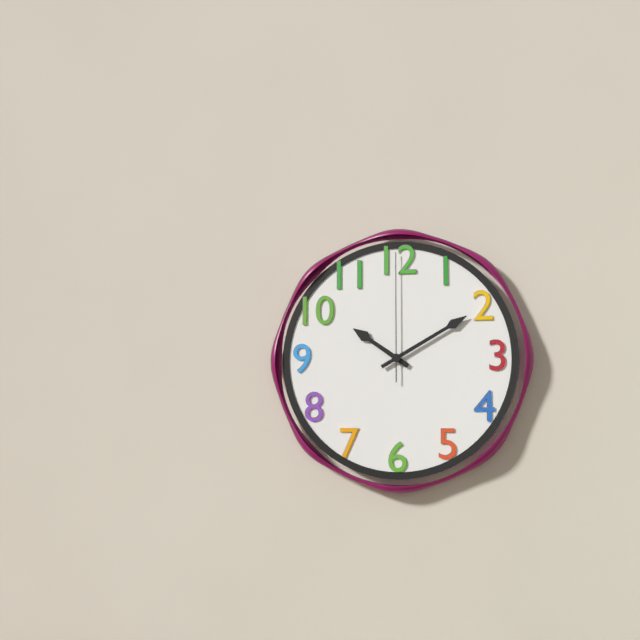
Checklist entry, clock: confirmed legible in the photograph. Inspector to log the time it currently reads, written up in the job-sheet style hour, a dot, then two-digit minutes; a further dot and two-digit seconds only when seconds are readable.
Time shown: 10.10.00
